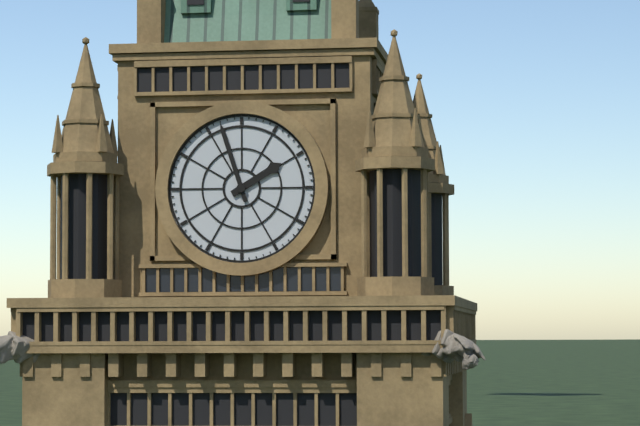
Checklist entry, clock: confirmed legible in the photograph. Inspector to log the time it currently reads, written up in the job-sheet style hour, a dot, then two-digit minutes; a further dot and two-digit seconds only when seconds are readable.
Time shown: 1.57
